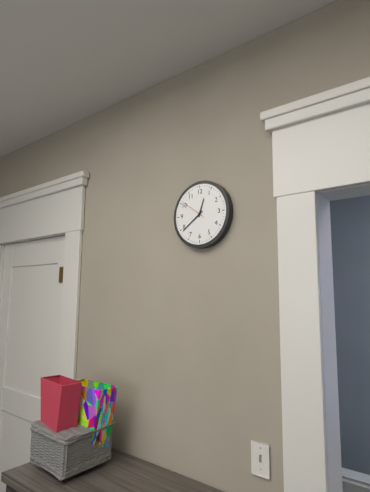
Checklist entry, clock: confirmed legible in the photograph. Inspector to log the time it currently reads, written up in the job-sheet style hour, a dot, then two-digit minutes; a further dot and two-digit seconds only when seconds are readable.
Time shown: 12.39
